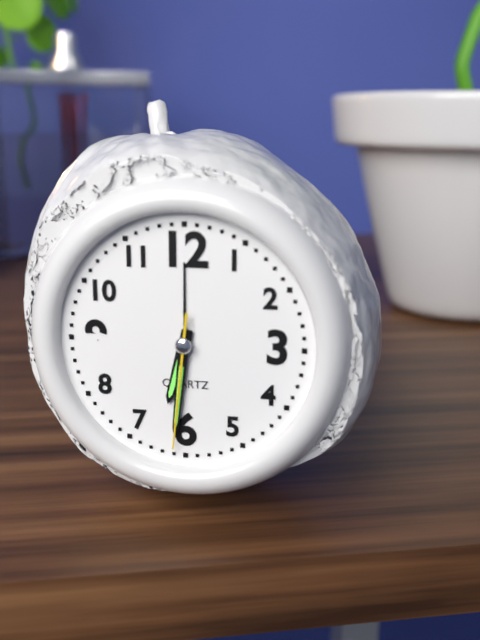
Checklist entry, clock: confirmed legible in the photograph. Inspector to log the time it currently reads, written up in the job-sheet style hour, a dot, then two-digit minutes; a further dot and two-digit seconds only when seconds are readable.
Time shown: 6.31.31
